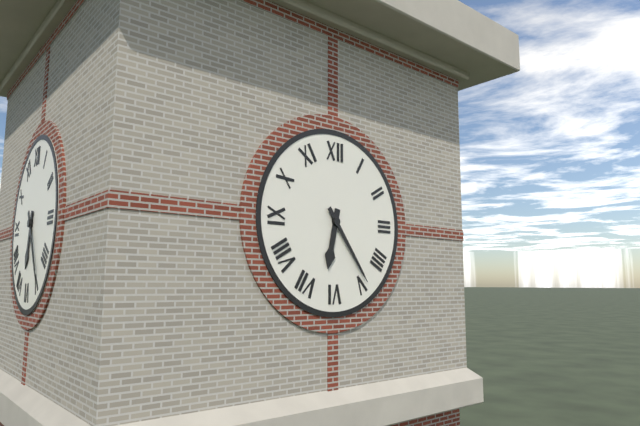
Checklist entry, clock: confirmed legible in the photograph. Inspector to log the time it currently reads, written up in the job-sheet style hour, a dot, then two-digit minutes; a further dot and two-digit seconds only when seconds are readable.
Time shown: 6.24
